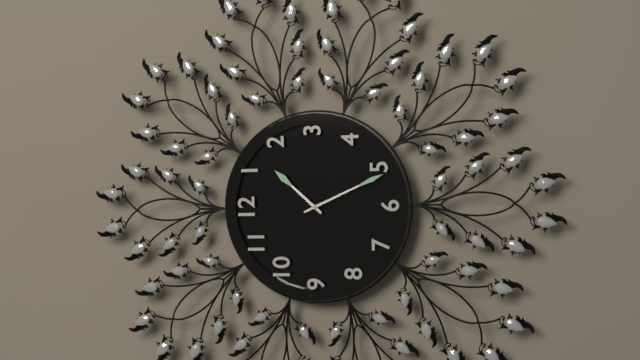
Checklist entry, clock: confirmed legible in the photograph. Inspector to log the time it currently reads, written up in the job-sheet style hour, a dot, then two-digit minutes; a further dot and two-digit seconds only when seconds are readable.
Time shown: 1.26
